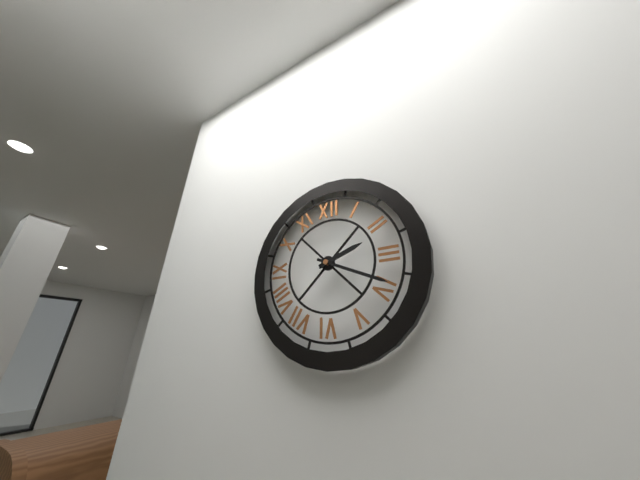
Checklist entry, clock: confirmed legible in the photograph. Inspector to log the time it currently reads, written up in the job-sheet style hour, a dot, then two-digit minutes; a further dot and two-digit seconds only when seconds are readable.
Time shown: 2.19
